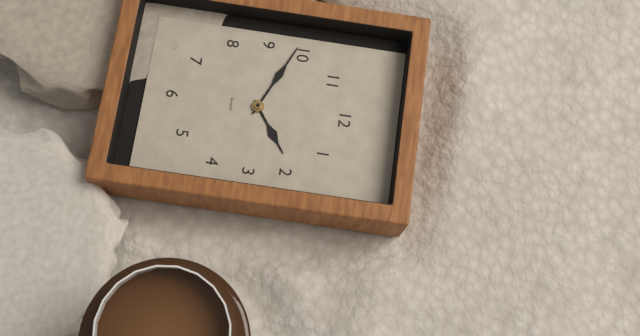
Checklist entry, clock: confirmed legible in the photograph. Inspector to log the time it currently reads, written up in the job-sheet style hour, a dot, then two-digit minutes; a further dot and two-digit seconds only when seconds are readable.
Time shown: 1.49
